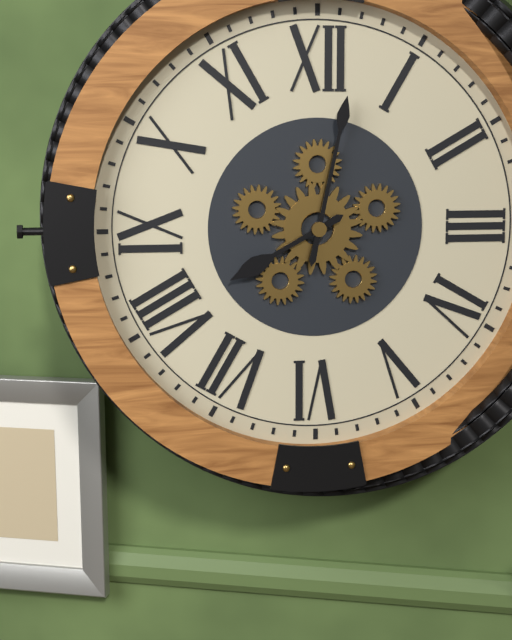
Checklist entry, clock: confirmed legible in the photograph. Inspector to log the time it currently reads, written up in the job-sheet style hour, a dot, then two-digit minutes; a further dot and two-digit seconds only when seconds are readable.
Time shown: 8.02
